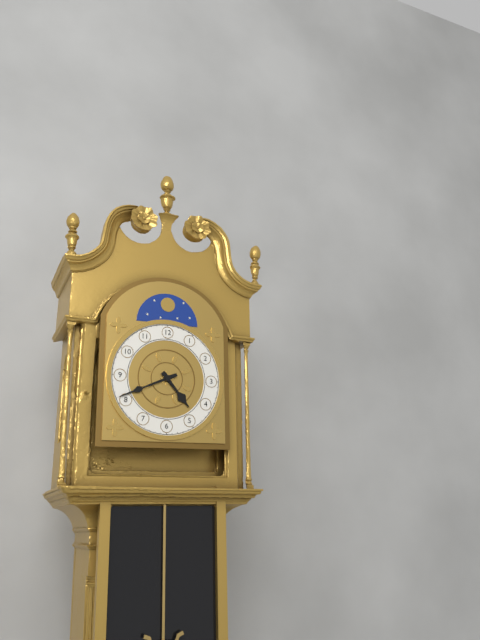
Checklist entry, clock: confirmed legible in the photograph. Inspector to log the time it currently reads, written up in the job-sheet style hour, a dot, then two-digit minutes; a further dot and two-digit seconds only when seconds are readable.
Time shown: 4.41
